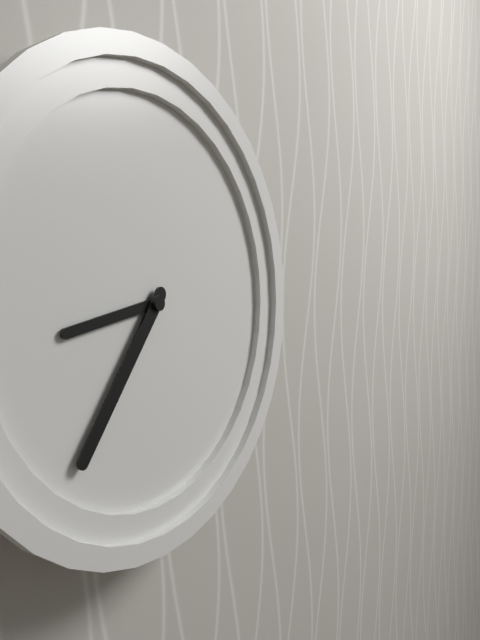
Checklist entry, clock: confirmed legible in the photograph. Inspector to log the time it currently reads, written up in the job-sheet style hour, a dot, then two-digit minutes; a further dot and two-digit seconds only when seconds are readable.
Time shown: 8.36
